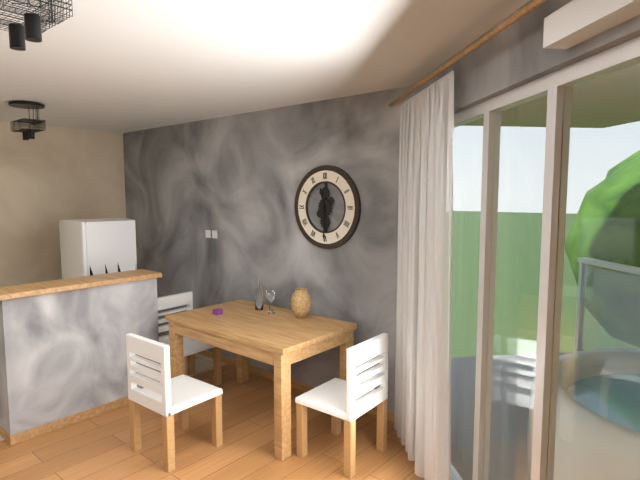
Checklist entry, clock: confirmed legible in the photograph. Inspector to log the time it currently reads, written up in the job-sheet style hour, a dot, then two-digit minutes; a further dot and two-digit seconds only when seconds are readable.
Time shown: 11.30
